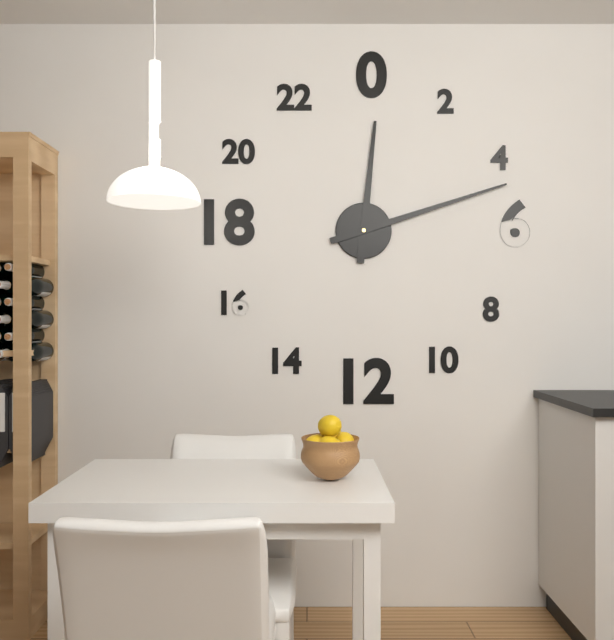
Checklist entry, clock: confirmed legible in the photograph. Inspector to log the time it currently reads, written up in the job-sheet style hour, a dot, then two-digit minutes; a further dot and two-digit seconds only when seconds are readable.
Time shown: 12.12
